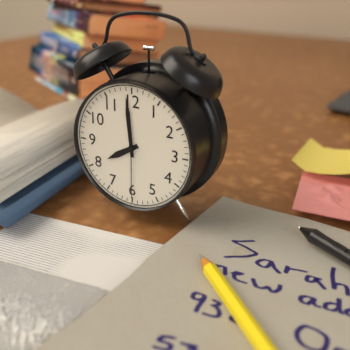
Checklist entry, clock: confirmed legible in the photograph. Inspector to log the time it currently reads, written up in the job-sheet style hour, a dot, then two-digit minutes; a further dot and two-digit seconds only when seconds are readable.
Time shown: 7.59.30
